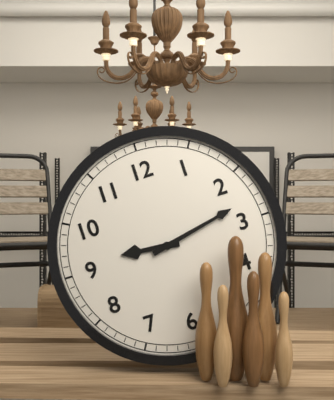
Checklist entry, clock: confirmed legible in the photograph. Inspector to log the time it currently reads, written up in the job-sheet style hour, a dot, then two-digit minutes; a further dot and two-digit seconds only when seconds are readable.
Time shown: 9.13
